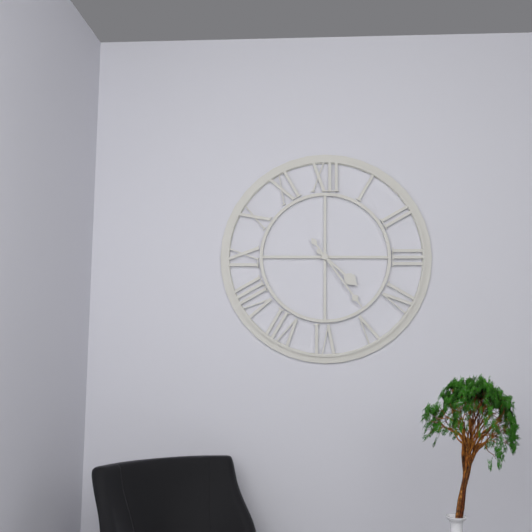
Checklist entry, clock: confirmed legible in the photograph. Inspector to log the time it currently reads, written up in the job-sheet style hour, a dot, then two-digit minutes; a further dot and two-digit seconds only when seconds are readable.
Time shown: 4.24
